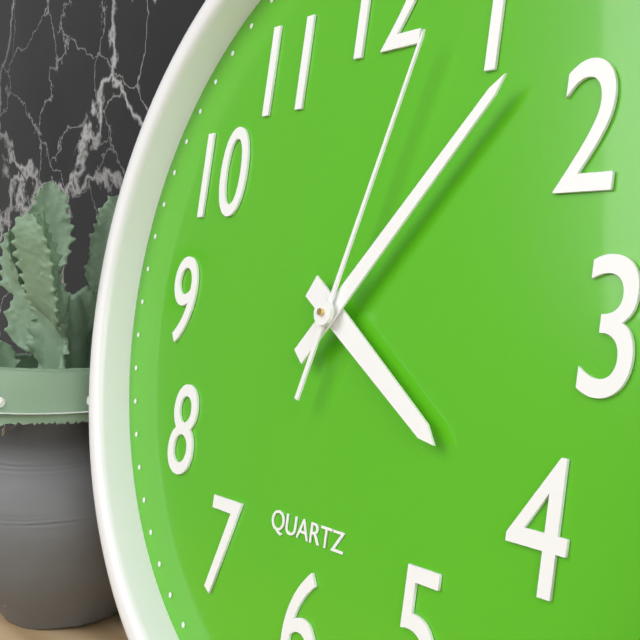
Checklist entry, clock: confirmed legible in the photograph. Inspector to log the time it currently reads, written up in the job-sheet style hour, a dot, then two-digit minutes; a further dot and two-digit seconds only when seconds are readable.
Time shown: 4.07.03
